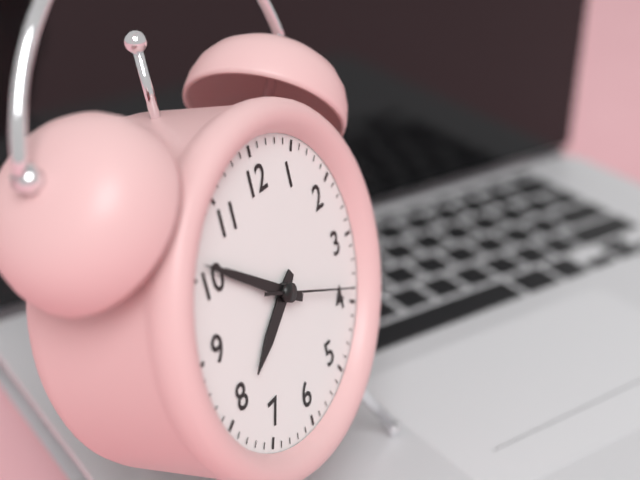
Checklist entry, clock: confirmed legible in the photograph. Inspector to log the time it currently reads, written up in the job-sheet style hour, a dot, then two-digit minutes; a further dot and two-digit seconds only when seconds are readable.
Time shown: 7.51.19
